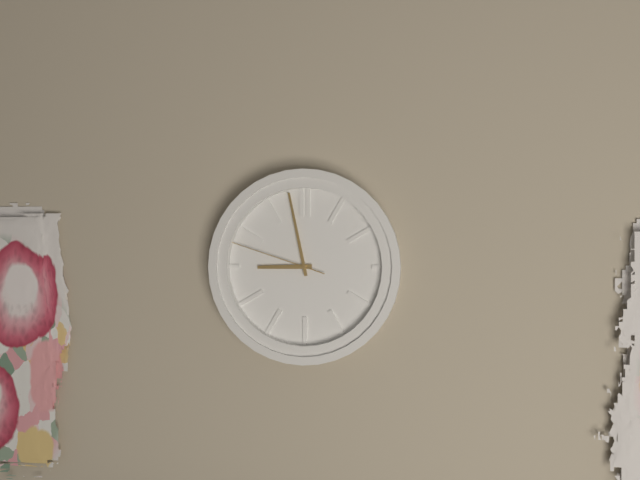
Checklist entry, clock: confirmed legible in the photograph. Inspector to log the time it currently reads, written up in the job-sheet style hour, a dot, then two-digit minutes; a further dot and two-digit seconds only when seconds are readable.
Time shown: 8.58.48
